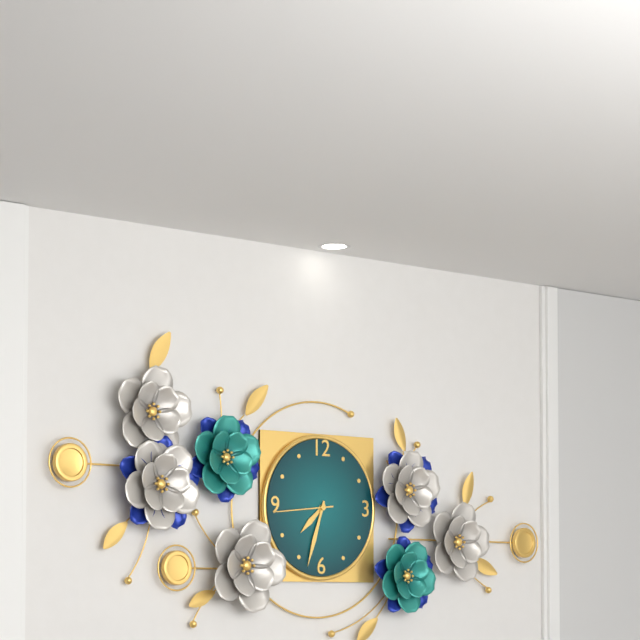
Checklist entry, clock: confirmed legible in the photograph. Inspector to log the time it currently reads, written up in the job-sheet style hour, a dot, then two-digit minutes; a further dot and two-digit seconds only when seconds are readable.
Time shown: 7.33.44
